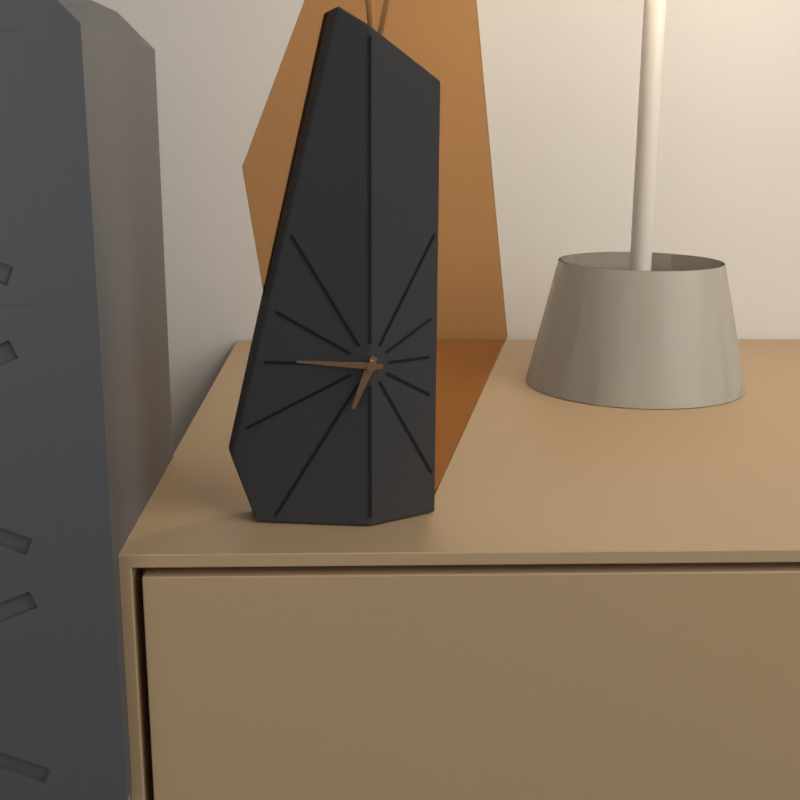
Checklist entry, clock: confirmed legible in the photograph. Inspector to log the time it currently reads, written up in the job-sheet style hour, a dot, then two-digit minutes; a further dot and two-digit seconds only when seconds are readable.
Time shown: 6.46
